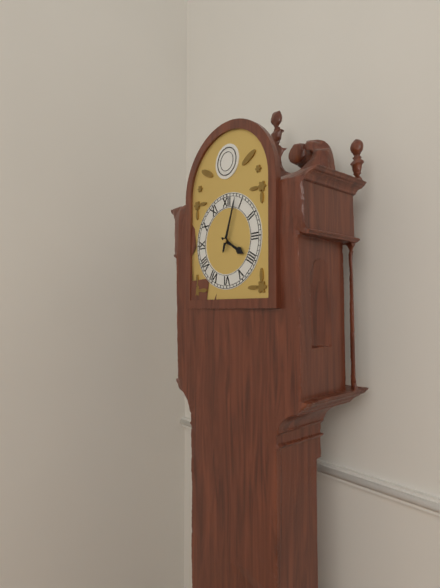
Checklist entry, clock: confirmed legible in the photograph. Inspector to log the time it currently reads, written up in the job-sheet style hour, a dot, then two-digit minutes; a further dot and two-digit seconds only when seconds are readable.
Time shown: 4.03
